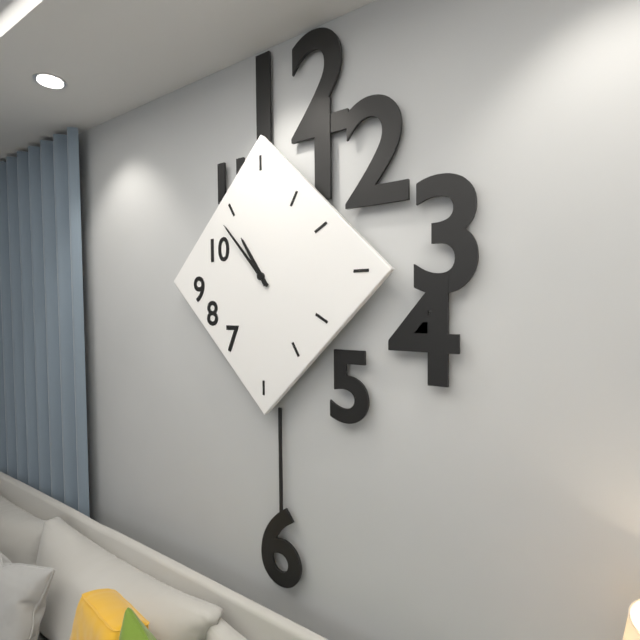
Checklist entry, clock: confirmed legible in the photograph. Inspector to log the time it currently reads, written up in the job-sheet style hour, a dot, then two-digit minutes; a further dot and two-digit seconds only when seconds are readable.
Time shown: 10.53
